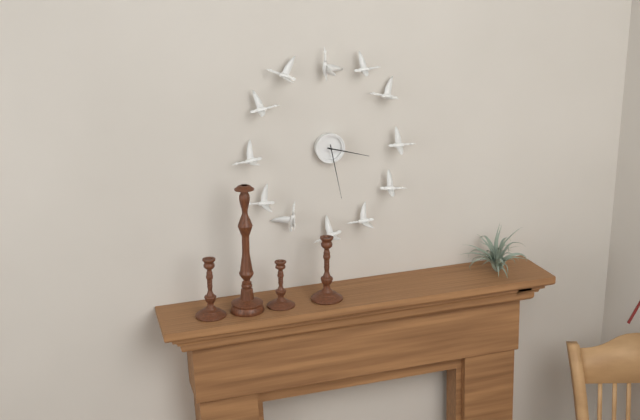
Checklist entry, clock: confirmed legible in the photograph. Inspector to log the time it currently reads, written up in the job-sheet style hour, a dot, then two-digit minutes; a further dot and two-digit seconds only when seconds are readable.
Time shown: 3.28
